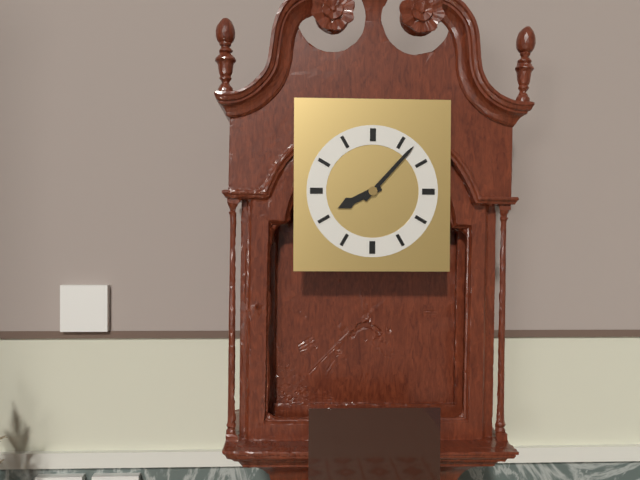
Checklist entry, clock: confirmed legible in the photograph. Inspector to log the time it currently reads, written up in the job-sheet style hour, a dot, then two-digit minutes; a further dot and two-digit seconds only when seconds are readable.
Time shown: 8.07
